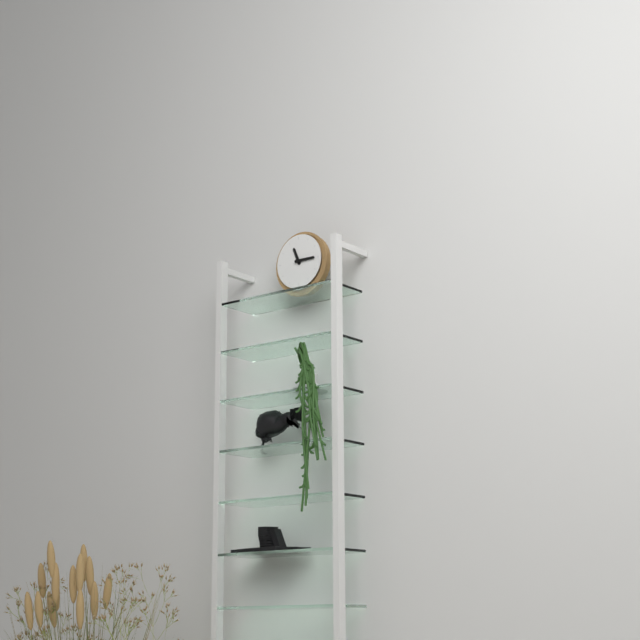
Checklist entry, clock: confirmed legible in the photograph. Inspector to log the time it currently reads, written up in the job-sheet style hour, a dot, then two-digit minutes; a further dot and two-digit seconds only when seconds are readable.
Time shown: 11.15
